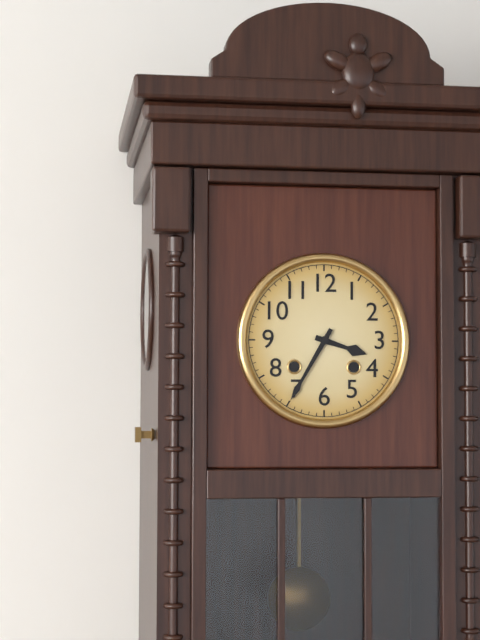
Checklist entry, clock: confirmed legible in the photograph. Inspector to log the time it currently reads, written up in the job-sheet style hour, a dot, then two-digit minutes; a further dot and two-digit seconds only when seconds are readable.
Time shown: 3.35
